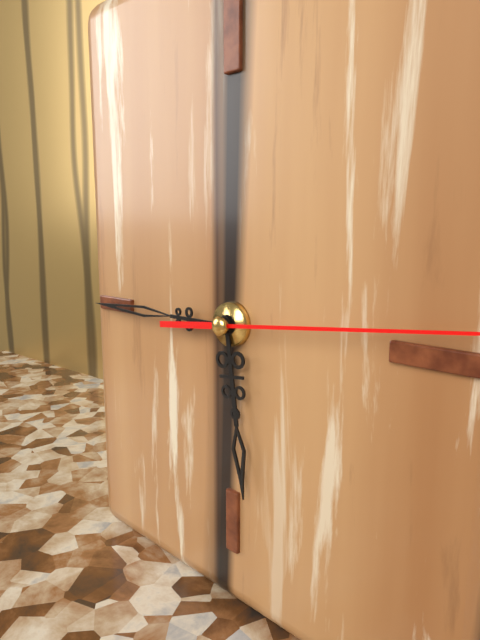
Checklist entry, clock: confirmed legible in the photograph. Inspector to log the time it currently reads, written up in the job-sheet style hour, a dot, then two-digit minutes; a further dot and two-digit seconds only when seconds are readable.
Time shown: 5.45
